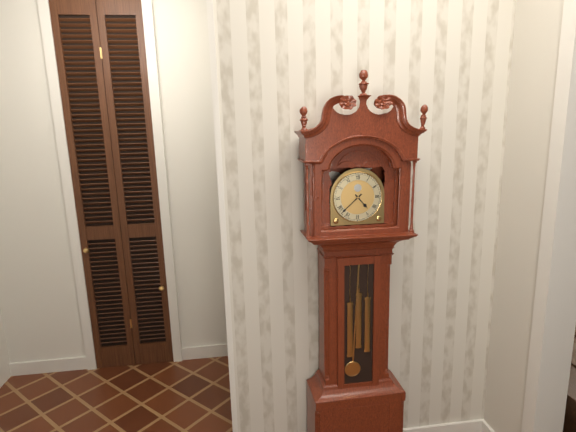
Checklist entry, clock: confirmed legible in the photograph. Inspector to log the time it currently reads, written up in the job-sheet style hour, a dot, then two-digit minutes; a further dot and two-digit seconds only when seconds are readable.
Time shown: 4.38
